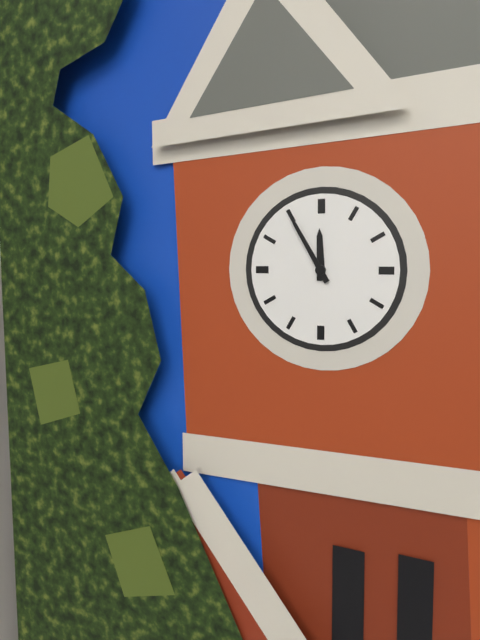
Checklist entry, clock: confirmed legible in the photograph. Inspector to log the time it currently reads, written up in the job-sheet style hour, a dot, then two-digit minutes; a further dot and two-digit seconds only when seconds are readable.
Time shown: 11.55
